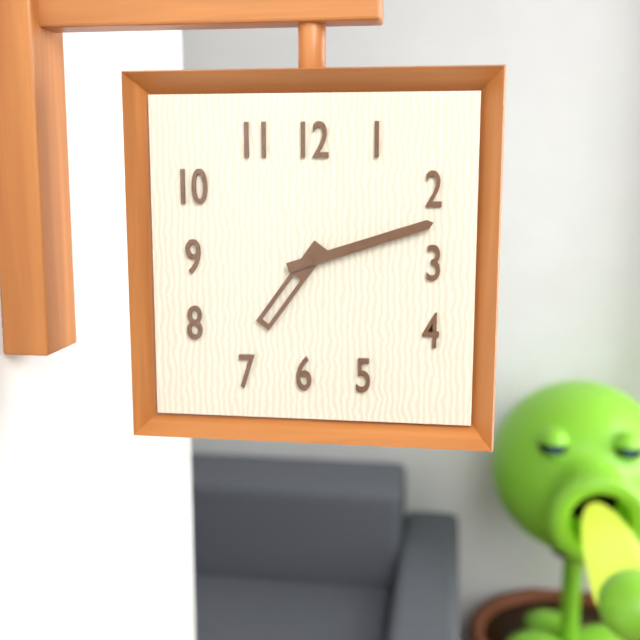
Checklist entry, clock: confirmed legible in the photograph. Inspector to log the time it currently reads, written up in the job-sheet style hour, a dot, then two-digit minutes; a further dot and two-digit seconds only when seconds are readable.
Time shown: 7.12
